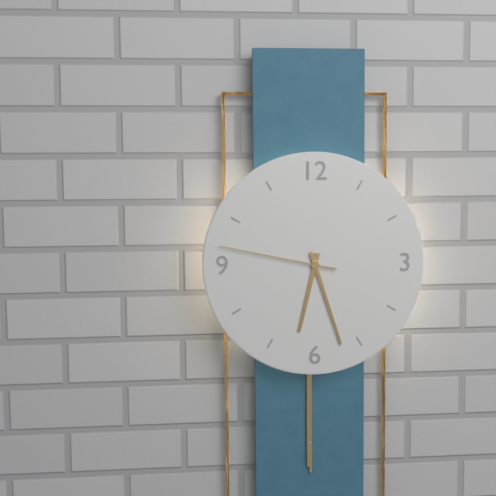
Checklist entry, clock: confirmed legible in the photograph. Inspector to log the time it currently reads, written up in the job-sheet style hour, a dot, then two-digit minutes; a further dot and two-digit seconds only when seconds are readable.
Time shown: 6.27.47
